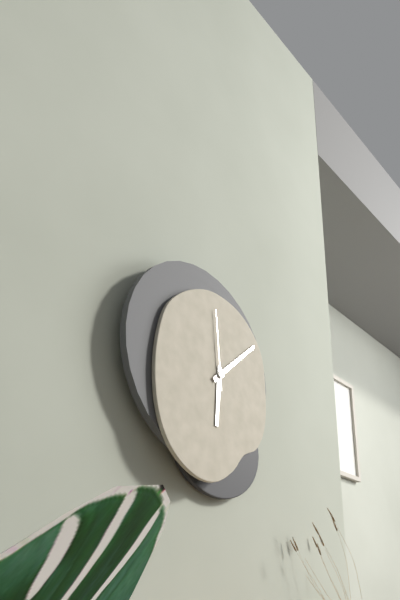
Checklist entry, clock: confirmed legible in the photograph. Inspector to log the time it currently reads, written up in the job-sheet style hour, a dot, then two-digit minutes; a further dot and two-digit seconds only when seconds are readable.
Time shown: 6.08.59
